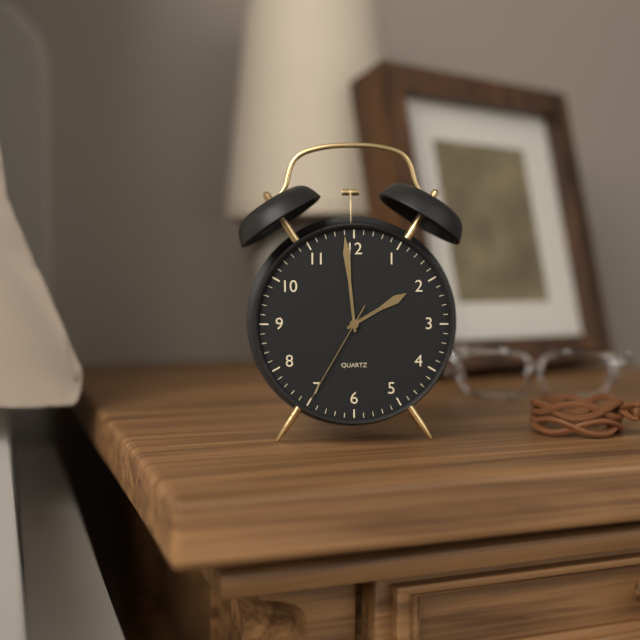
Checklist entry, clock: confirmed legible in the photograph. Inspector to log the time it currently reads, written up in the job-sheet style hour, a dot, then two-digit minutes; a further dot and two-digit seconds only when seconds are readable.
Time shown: 1.59.35
